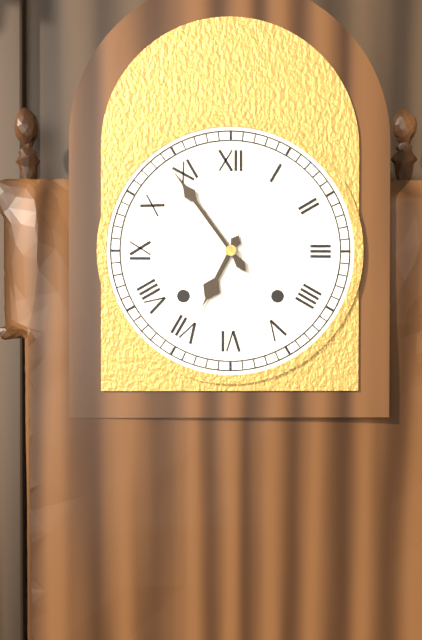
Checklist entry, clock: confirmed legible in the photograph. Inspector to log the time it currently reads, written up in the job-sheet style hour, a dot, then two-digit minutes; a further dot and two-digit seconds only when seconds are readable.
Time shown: 6.54
